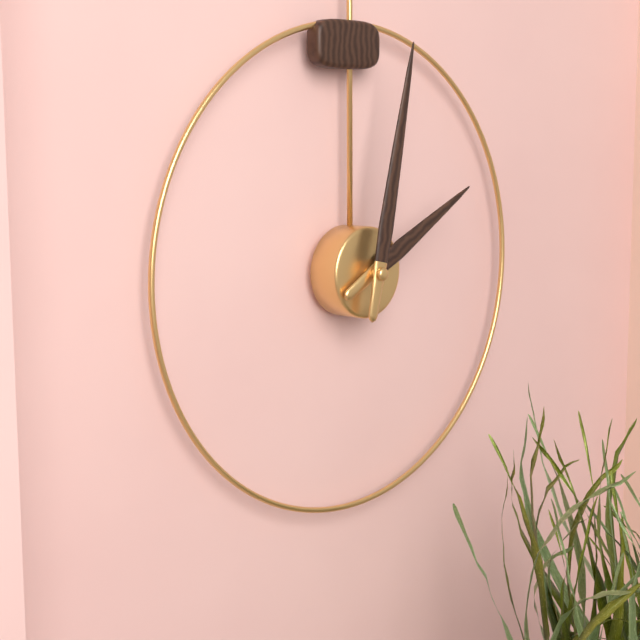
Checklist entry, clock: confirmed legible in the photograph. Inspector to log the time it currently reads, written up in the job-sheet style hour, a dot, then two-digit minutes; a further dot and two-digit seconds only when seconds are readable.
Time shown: 2.02
